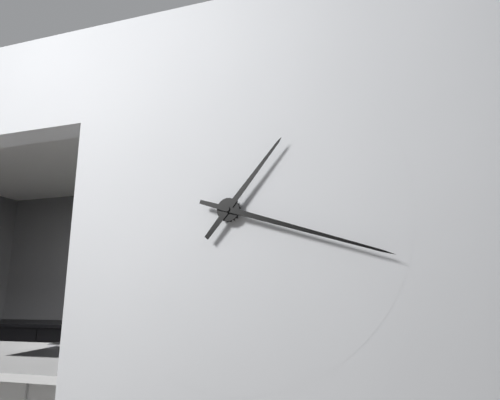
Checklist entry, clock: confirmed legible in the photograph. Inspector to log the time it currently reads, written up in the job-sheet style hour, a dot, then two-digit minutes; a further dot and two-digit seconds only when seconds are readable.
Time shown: 1.18
